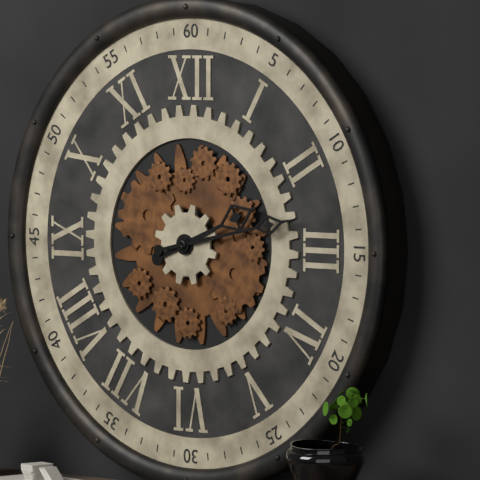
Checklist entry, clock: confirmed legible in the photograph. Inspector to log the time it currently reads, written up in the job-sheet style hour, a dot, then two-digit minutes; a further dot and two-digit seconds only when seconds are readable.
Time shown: 2.13
